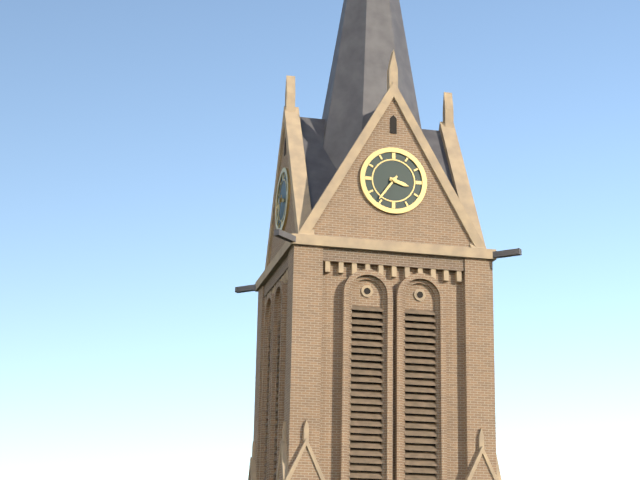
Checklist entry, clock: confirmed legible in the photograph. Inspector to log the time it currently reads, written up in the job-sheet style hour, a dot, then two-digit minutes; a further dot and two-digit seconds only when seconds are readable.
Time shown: 3.36
